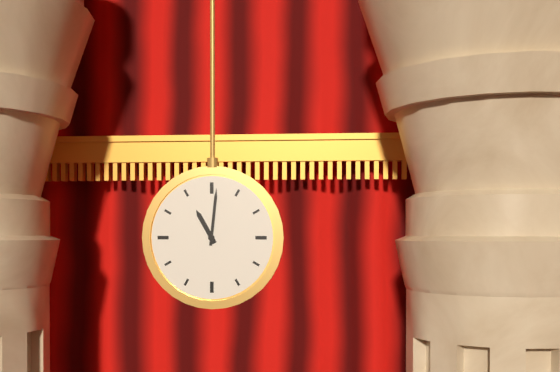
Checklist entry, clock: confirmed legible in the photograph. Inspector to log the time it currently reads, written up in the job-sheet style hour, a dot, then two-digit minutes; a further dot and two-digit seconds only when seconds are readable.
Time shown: 11.01
